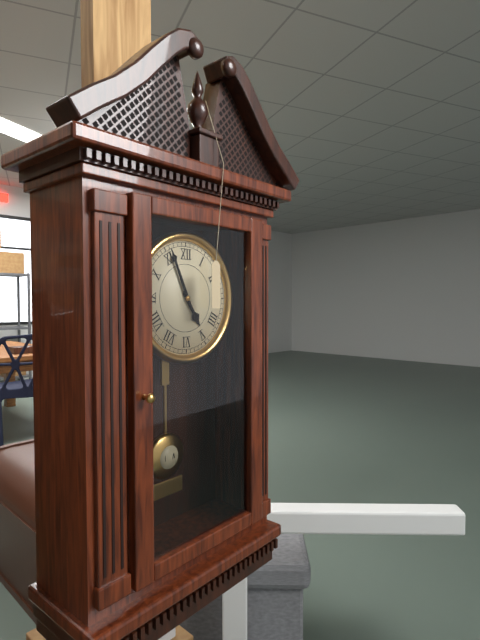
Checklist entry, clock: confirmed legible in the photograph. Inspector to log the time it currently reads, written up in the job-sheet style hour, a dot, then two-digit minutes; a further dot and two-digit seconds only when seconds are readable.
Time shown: 4.56
